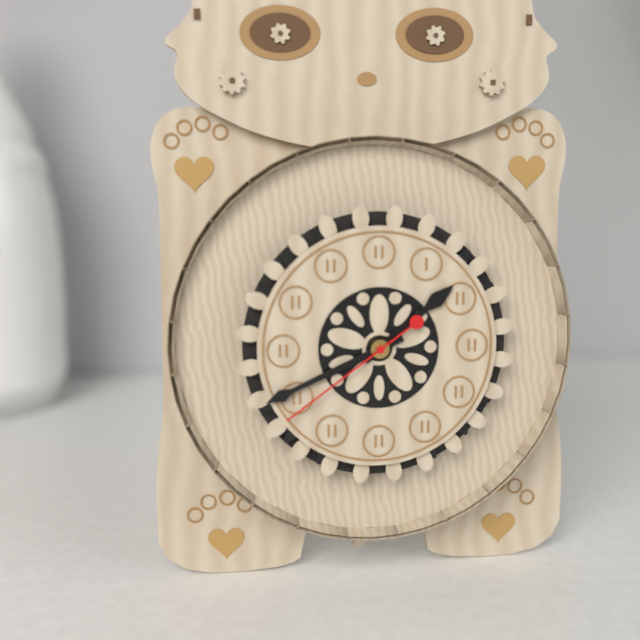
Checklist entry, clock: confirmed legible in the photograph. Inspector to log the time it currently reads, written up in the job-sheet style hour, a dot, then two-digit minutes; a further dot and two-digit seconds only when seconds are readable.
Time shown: 1.41.39
